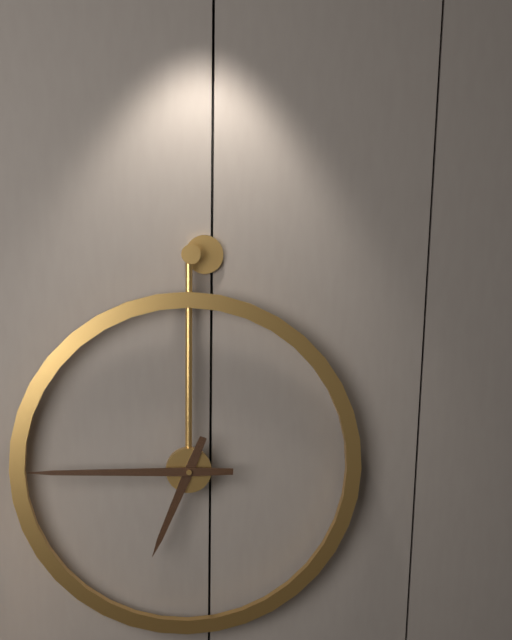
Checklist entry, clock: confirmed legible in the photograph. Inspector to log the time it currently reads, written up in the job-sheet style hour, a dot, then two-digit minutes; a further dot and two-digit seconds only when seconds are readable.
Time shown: 6.45
